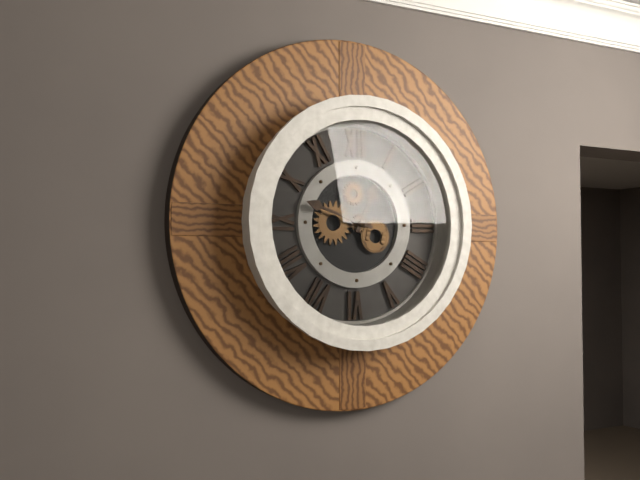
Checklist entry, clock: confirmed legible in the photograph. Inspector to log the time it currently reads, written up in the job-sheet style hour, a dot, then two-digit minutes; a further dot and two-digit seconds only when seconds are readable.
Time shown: 12.48
